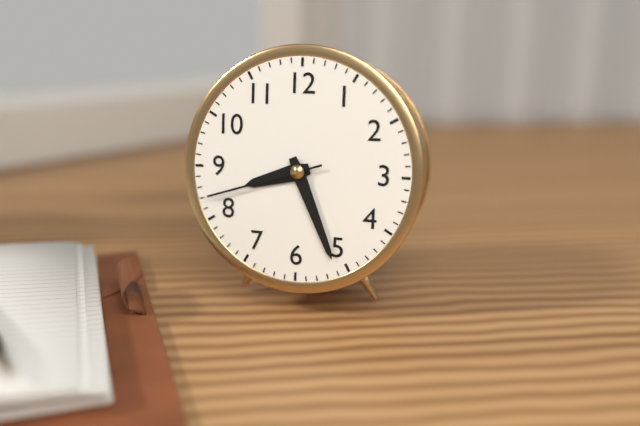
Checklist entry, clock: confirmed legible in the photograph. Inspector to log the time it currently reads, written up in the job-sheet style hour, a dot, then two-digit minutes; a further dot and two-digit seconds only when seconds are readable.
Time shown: 8.26.42
